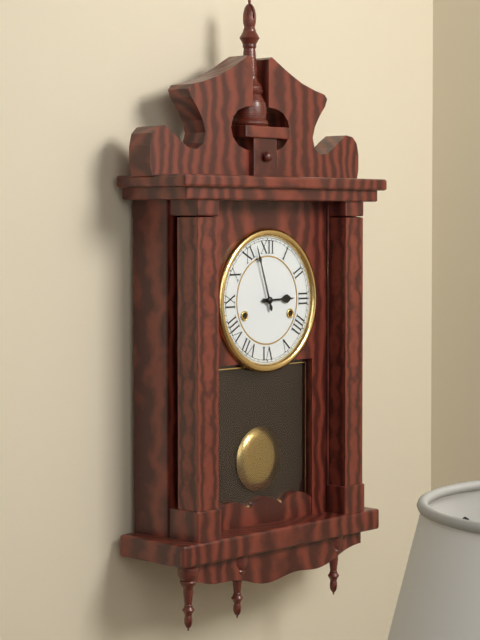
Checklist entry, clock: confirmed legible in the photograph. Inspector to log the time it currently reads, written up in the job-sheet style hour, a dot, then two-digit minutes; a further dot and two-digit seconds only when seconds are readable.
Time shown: 2.57
